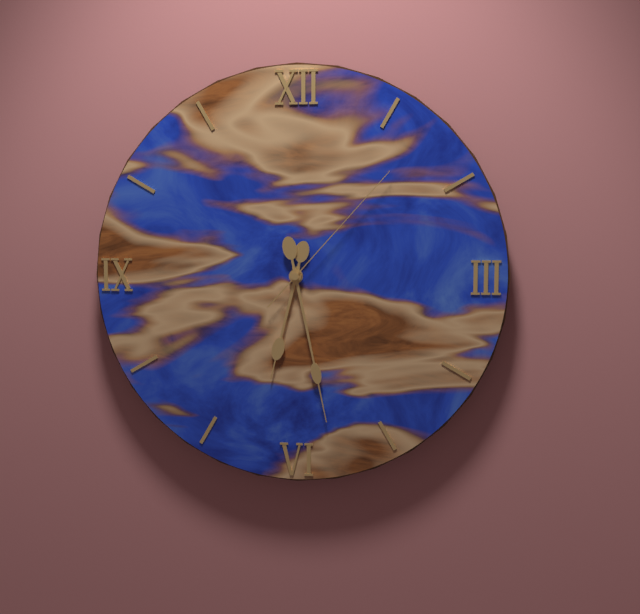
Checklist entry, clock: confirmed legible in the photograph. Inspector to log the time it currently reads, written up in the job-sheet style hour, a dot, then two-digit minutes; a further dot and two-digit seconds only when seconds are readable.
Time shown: 6.28.07
